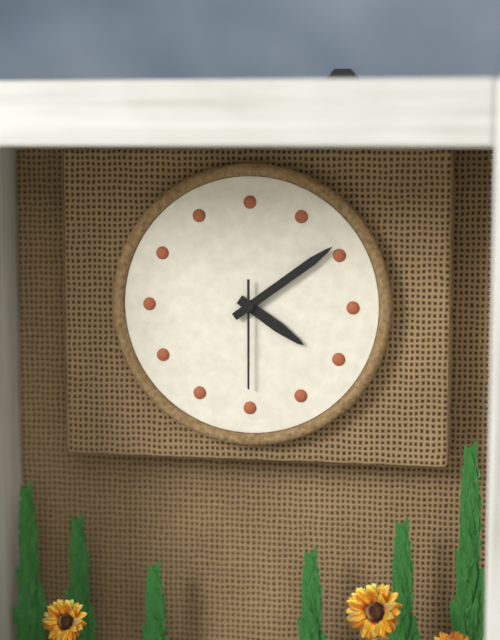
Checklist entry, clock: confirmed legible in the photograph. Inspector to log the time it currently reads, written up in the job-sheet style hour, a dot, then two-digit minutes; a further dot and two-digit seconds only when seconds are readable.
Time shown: 4.09.30
